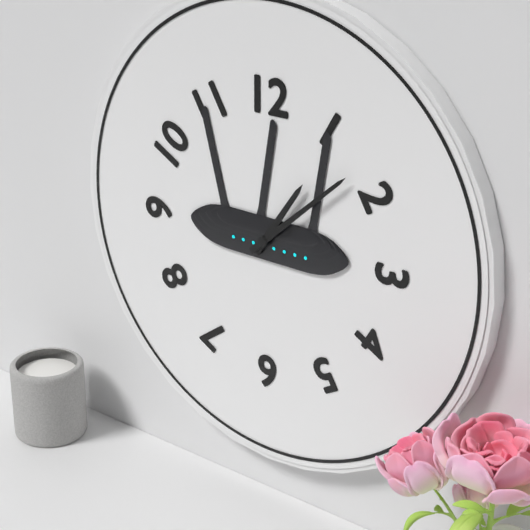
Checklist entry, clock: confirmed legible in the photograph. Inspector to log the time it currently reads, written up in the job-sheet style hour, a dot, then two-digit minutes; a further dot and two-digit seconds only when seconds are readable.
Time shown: 1.08
